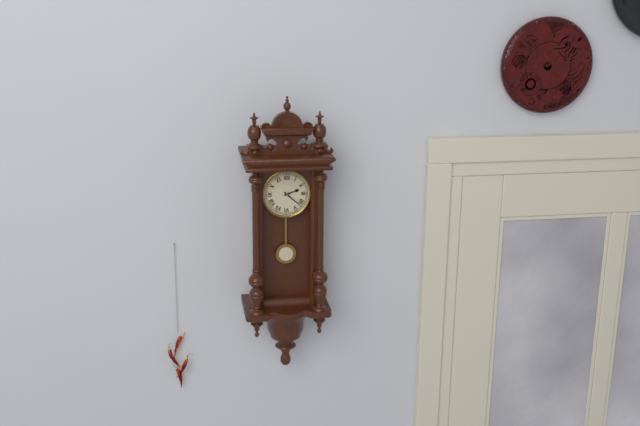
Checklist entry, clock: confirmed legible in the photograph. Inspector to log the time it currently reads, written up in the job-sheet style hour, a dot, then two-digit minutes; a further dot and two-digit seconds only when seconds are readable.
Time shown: 2.22
